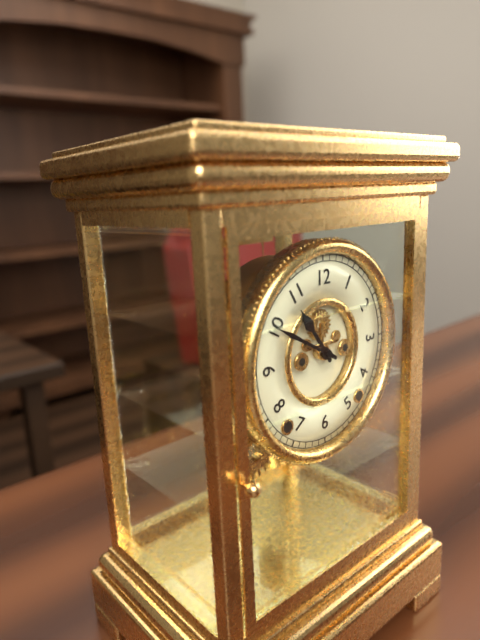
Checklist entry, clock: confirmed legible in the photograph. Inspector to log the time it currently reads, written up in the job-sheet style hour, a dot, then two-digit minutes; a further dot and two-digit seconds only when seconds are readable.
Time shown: 10.50
